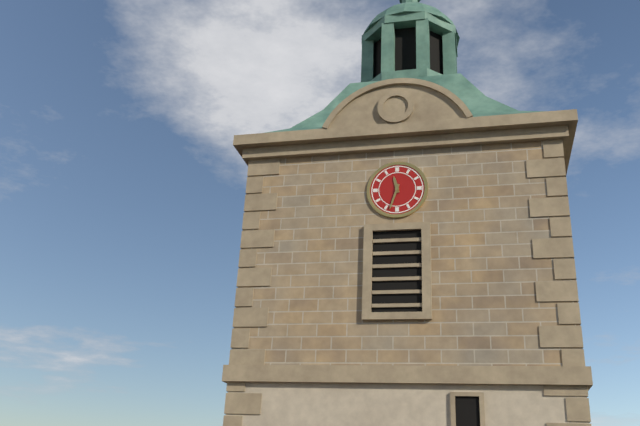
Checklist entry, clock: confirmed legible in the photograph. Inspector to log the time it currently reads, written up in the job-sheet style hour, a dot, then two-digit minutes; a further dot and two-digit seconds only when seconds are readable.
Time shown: 11.33
